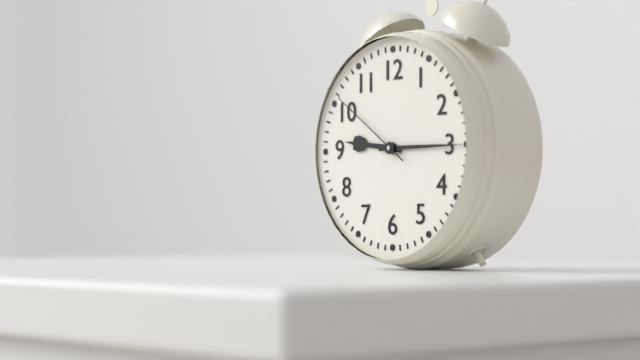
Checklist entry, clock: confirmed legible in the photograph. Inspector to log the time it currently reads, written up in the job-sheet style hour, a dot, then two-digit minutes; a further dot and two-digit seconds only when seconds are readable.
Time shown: 9.15.51
